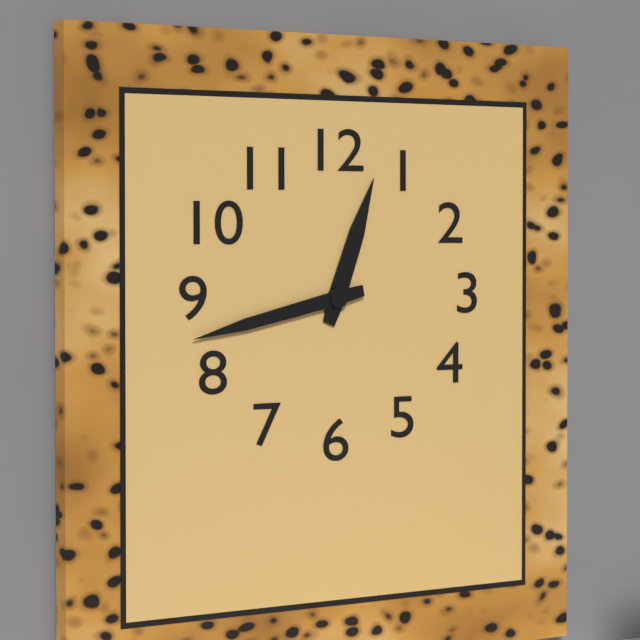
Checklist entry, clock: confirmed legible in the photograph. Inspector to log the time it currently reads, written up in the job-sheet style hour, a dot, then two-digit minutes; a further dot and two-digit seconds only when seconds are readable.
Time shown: 12.43
